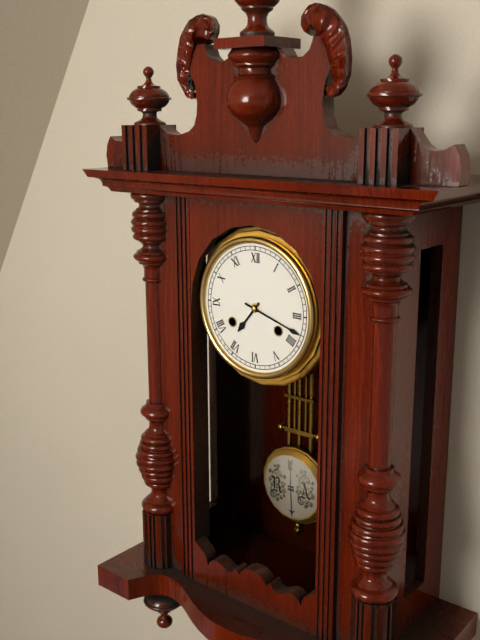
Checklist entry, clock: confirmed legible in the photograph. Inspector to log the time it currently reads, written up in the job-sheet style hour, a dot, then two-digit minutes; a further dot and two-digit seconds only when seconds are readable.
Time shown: 7.18
